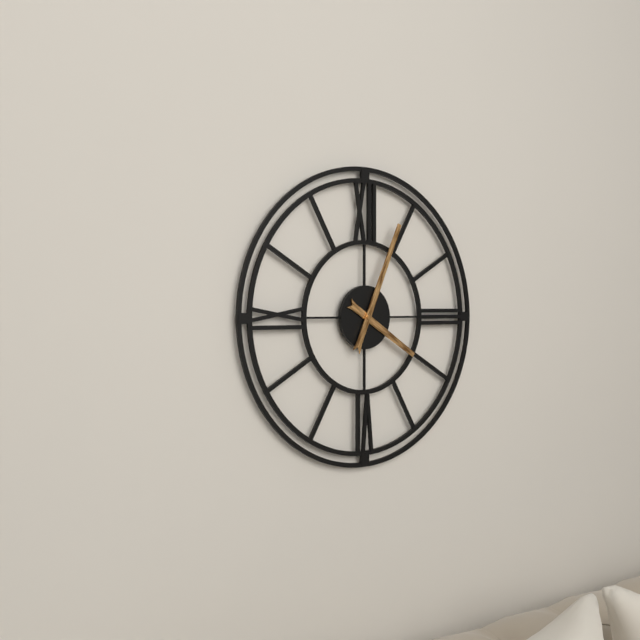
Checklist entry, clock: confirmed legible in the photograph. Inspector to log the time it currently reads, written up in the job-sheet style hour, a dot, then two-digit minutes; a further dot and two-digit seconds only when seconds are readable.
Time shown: 4.04
